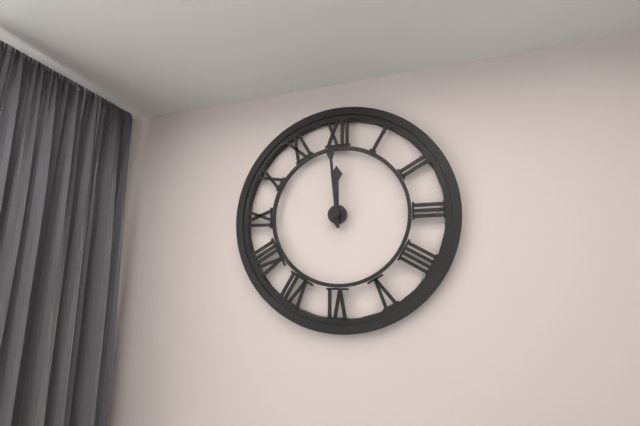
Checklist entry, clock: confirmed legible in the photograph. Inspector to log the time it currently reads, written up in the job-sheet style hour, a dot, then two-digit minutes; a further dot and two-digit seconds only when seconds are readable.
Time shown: 11.59
